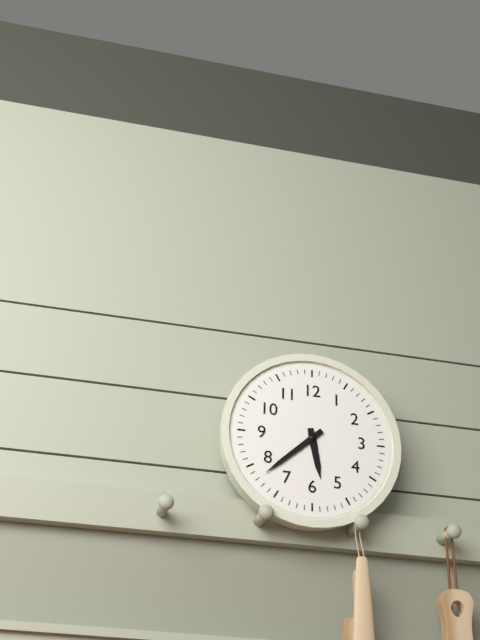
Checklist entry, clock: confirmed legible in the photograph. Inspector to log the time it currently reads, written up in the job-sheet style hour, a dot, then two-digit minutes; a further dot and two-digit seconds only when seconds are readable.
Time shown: 5.38
